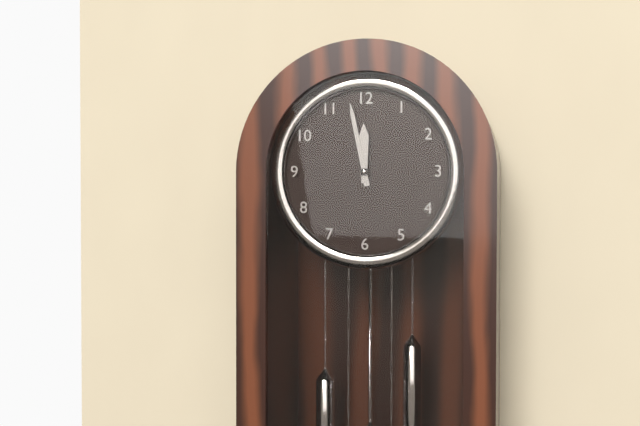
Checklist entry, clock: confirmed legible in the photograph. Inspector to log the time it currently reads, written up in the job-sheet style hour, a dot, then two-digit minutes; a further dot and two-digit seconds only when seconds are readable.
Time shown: 11.58
